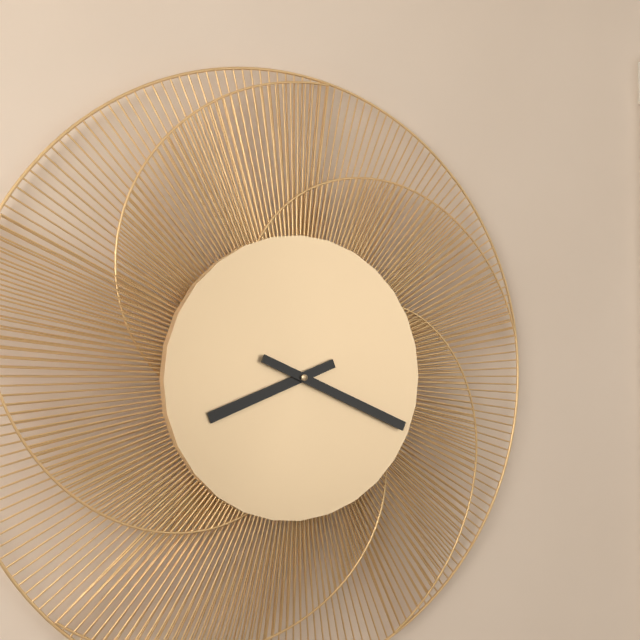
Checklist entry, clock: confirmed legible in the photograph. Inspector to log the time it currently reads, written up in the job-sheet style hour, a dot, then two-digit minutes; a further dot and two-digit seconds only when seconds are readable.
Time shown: 8.19
